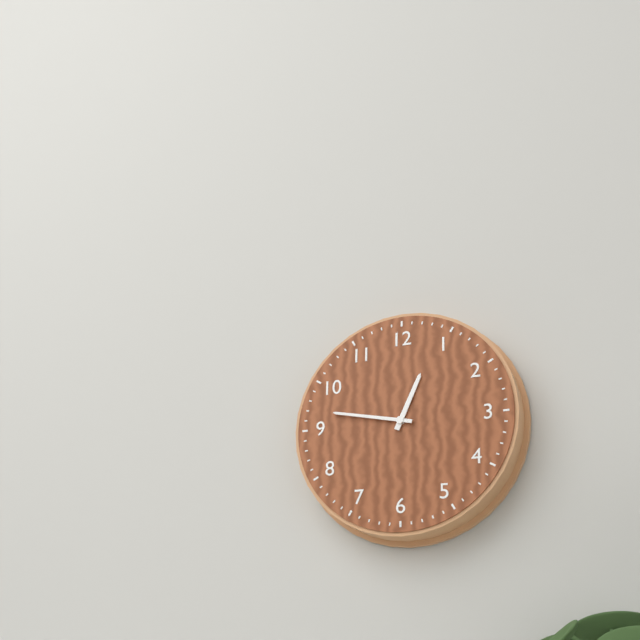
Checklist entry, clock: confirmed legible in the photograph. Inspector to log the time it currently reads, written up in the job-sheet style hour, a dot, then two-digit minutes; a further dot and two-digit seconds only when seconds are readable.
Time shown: 12.47
